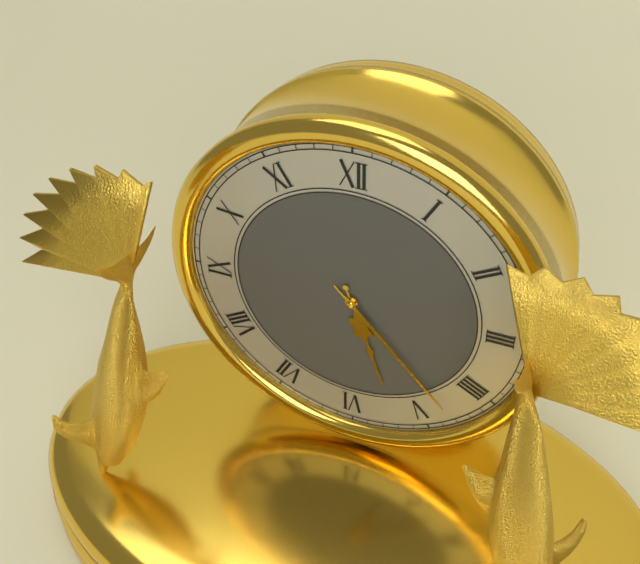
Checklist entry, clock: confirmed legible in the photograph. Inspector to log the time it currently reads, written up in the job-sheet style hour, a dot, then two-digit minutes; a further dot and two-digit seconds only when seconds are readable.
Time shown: 5.23
